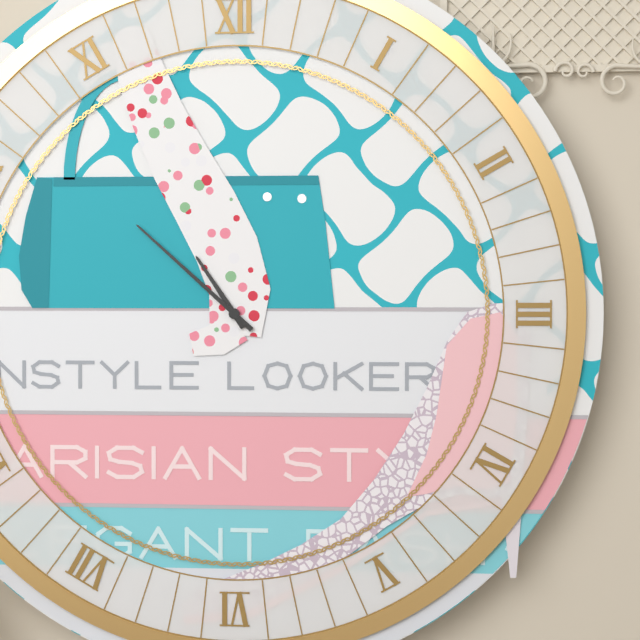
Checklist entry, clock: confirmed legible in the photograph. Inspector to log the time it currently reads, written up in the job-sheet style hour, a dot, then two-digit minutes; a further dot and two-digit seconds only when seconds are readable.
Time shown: 10.52
